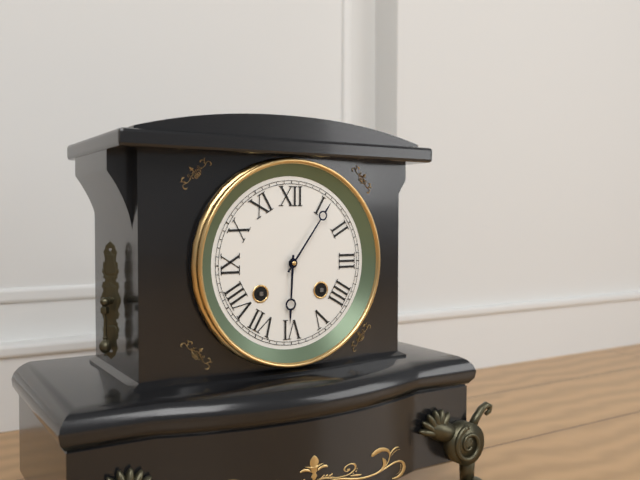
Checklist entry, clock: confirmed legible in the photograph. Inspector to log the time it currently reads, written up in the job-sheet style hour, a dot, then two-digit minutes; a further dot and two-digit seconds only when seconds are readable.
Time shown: 6.06
